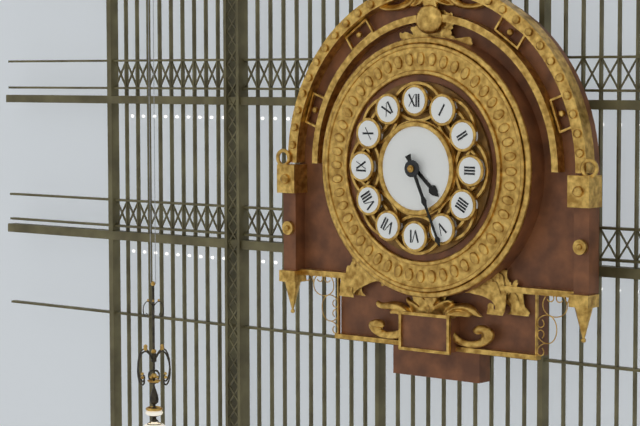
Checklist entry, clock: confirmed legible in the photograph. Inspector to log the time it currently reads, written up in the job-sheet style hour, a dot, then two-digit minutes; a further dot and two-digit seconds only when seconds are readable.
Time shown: 4.26
